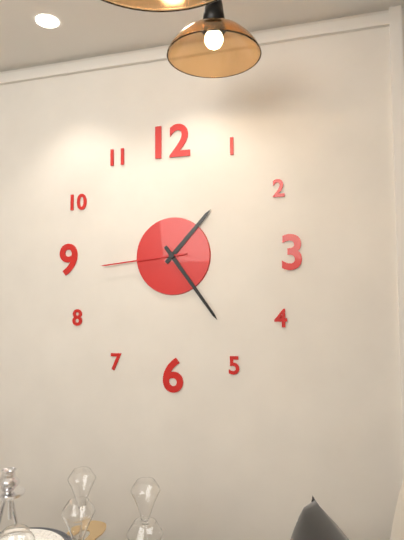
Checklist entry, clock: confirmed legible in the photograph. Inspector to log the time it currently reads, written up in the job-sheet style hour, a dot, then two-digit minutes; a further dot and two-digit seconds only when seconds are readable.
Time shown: 1.24.44
